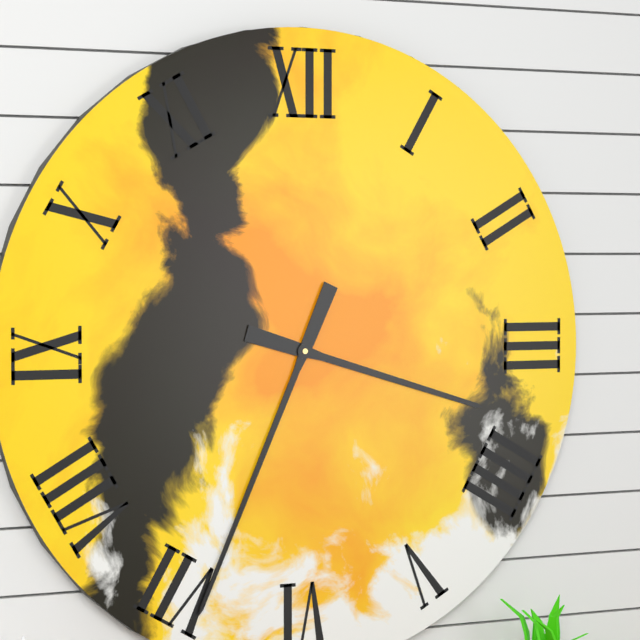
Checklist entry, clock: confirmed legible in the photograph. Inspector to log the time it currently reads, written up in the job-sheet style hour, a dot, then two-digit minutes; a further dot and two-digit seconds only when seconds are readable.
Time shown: 3.34
